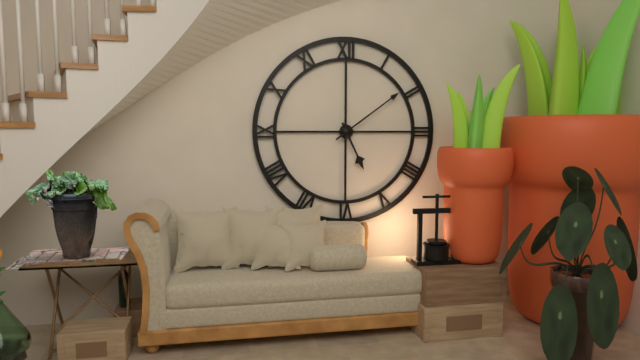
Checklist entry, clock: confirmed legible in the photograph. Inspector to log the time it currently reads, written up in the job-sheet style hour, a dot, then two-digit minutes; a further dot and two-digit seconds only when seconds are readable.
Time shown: 5.09
